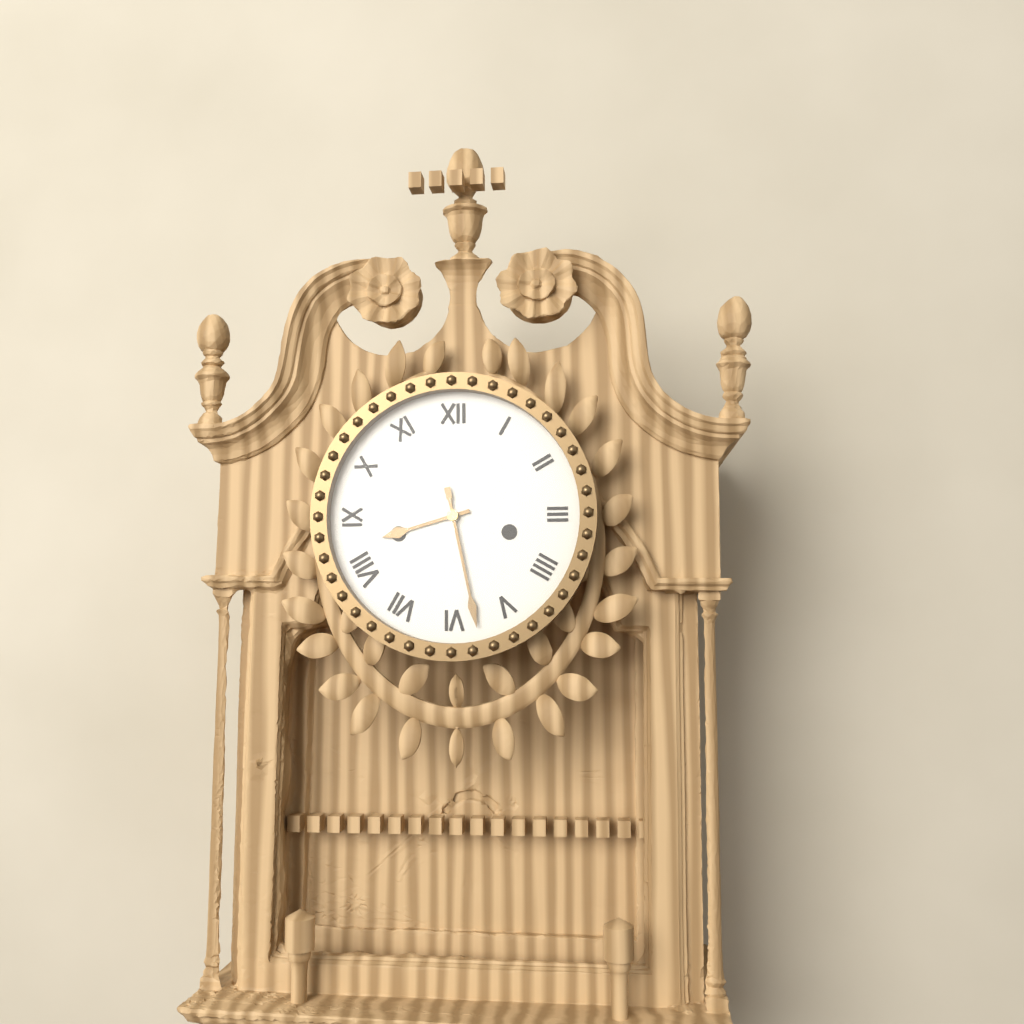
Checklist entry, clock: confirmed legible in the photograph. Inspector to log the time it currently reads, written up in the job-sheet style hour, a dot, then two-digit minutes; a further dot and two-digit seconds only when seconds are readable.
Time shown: 8.28
